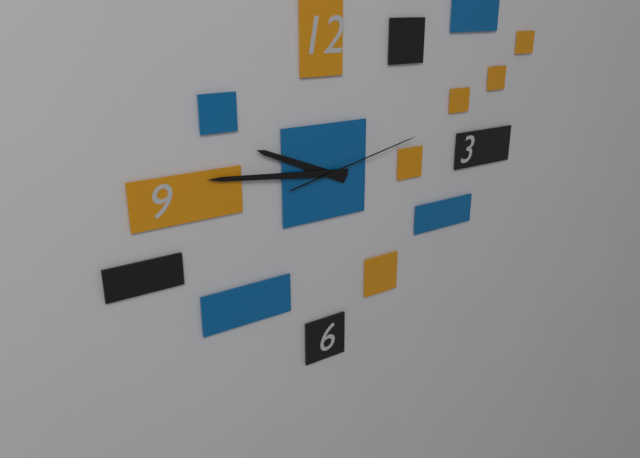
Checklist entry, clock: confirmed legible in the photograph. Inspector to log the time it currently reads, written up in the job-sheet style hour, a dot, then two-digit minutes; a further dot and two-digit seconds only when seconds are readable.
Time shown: 9.46.13
